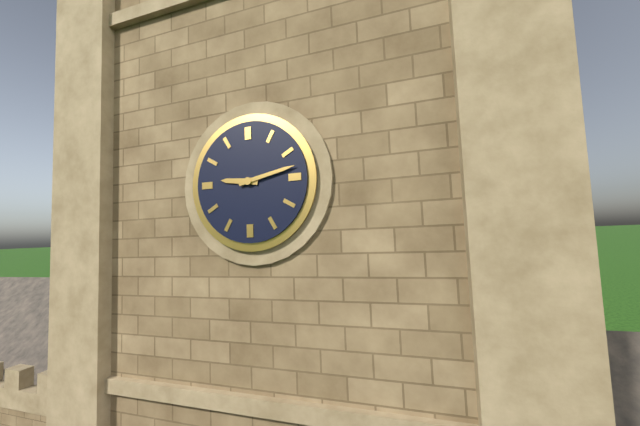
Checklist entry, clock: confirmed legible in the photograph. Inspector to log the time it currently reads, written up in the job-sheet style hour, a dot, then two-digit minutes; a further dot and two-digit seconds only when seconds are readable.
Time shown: 9.13
